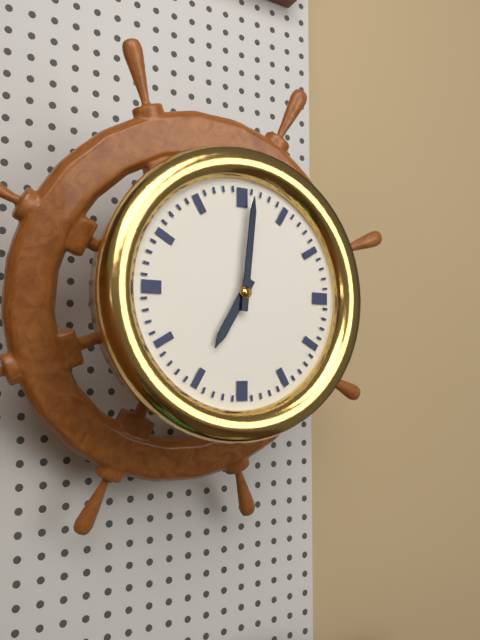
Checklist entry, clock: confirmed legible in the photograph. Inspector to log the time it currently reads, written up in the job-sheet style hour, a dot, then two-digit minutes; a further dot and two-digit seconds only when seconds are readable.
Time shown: 7.01
